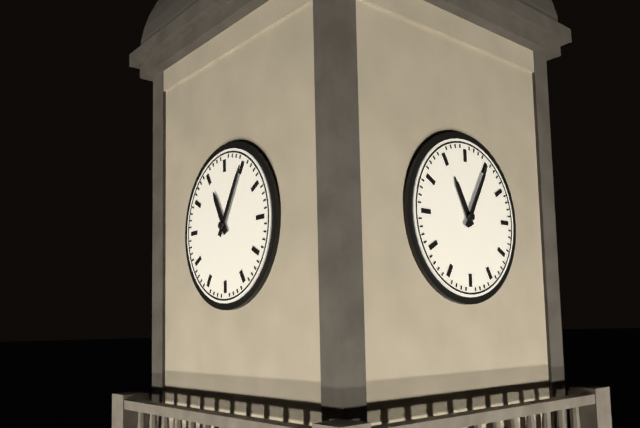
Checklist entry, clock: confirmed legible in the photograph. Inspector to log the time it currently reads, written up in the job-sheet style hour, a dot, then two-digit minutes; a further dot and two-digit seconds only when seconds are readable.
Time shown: 11.05
